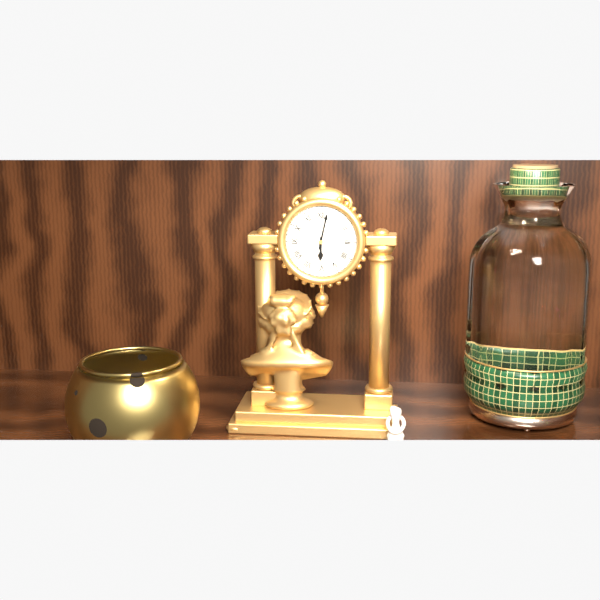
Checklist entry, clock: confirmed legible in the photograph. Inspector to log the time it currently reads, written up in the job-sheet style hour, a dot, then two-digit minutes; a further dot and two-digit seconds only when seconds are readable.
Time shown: 6.02
